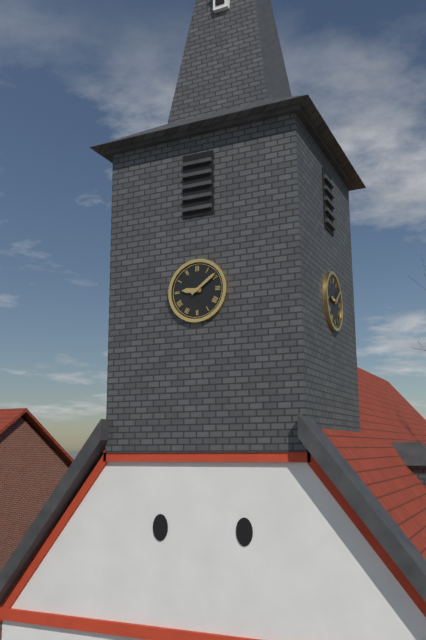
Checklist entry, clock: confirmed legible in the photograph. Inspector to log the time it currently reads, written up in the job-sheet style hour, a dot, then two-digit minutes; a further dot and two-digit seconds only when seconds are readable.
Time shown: 9.09
